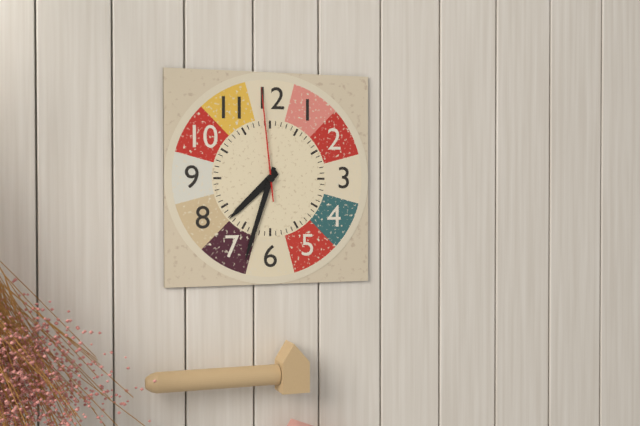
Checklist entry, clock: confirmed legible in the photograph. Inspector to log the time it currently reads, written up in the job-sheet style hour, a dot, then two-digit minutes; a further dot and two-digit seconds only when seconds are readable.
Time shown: 7.33.59
